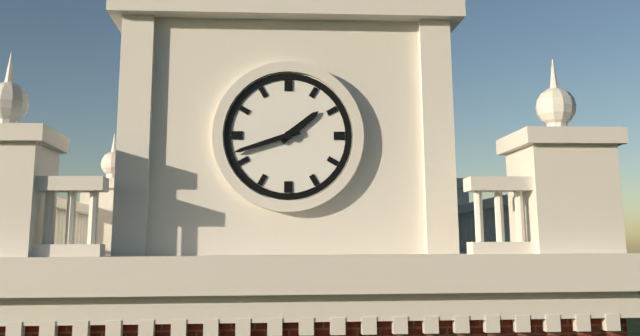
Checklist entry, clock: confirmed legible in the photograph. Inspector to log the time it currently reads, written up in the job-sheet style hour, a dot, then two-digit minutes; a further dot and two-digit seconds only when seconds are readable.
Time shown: 1.42
